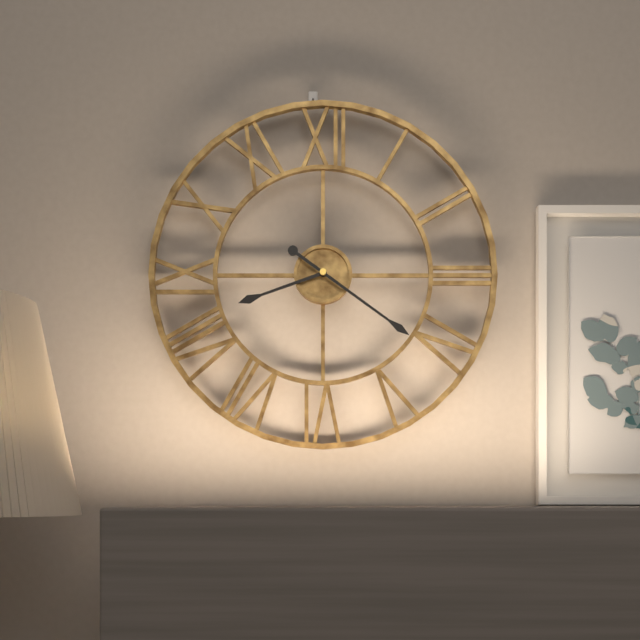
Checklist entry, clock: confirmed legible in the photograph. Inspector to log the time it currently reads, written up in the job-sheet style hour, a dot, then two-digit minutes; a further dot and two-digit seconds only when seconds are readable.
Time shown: 8.21
